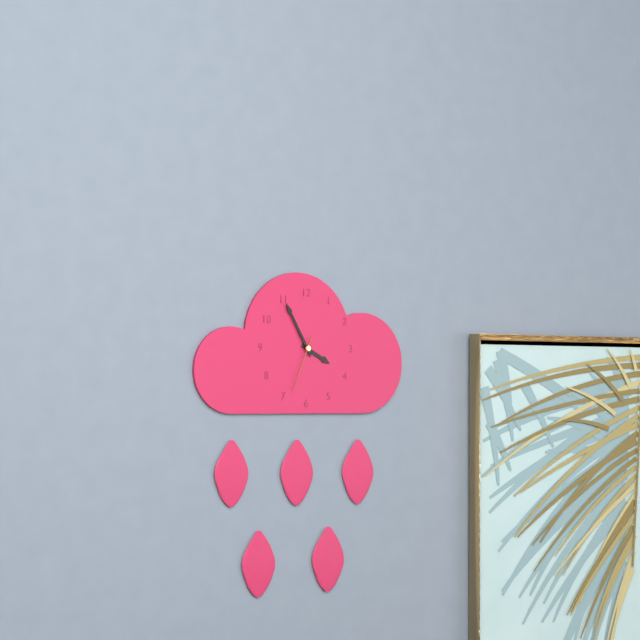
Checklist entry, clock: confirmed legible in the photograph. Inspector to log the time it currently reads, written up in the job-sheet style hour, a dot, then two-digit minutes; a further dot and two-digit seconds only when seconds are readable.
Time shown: 3.55.34
